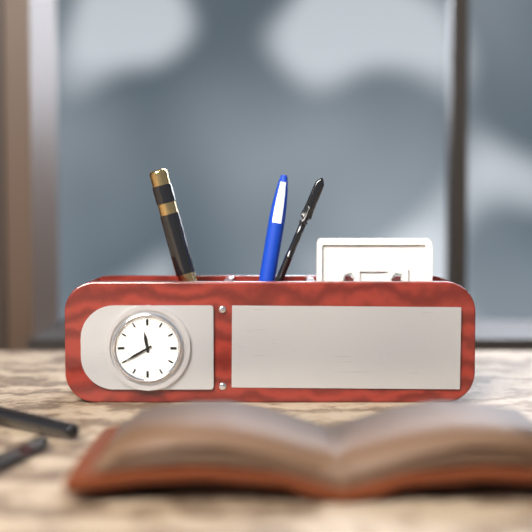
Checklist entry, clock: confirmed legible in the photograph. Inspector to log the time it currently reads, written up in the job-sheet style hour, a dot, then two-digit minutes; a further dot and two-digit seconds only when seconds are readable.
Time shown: 11.40
